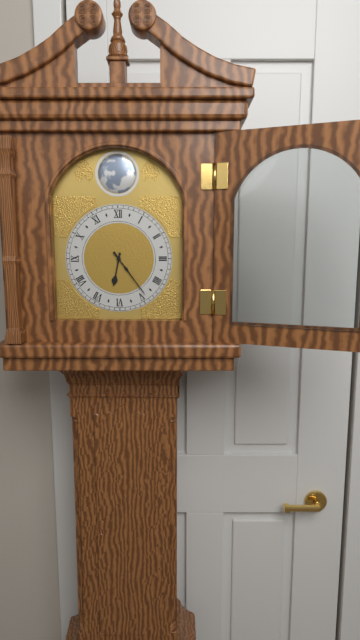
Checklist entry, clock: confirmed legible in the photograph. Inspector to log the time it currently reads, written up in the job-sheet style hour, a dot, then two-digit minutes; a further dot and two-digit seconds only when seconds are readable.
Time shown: 6.24
